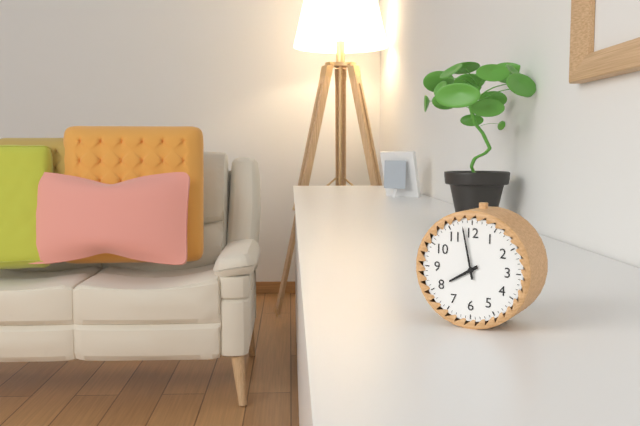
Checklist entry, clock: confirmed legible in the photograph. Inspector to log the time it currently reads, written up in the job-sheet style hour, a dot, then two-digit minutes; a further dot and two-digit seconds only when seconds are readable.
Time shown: 7.58
